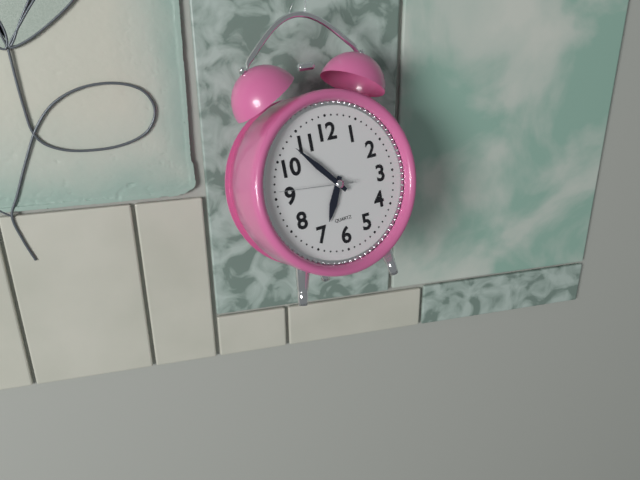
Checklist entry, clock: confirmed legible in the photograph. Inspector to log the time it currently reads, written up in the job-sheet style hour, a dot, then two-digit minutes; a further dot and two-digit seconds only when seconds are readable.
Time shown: 6.53.46
